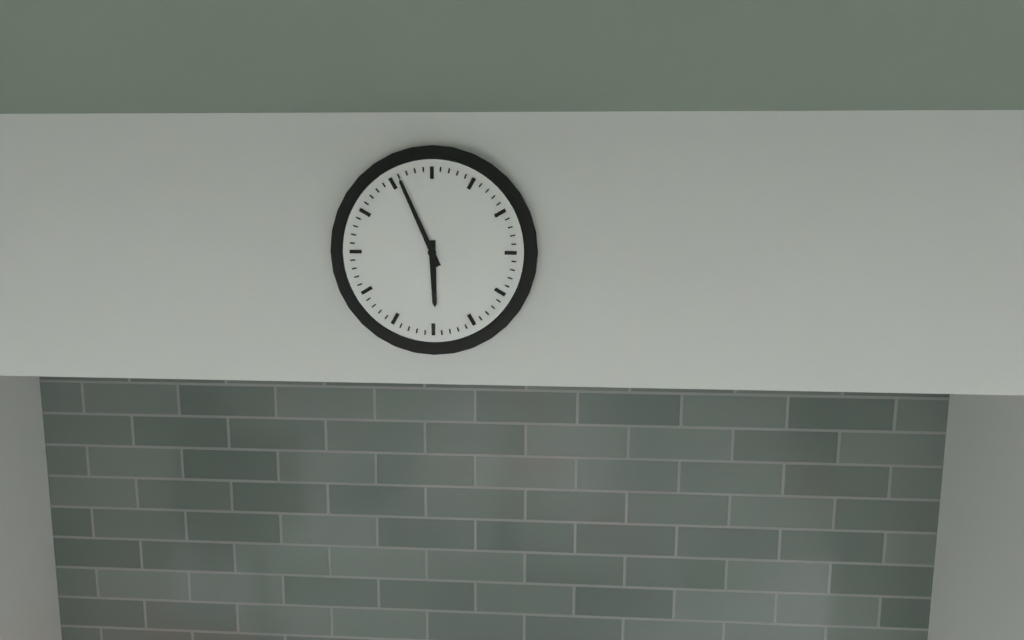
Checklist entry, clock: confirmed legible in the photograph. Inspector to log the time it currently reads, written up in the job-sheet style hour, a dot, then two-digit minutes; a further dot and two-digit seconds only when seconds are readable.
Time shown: 5.56
